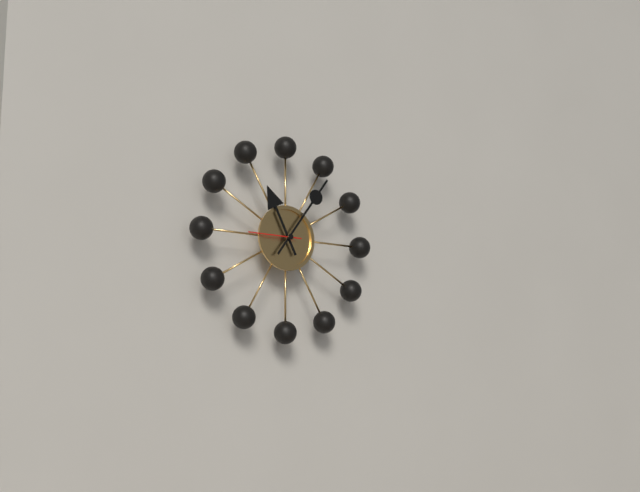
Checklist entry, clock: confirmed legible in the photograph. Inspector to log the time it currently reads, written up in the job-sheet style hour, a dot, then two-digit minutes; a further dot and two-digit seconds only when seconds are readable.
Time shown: 11.06.45
